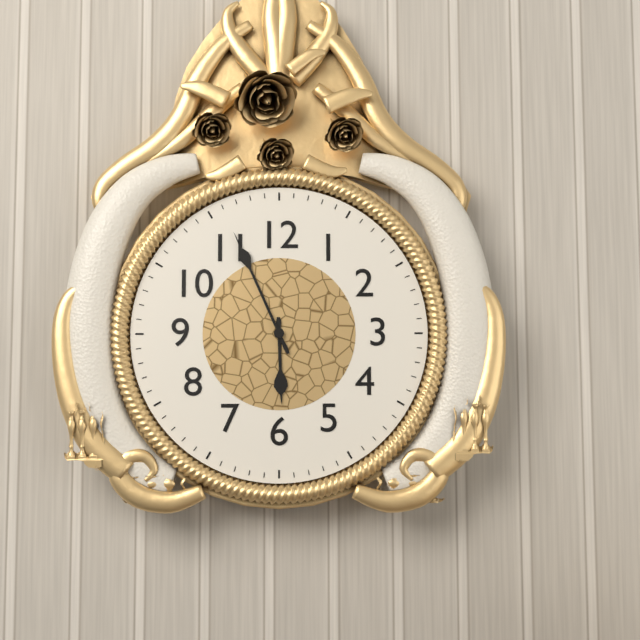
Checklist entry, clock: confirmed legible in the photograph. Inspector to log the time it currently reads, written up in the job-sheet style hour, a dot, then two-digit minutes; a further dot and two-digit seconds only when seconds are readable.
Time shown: 5.56
